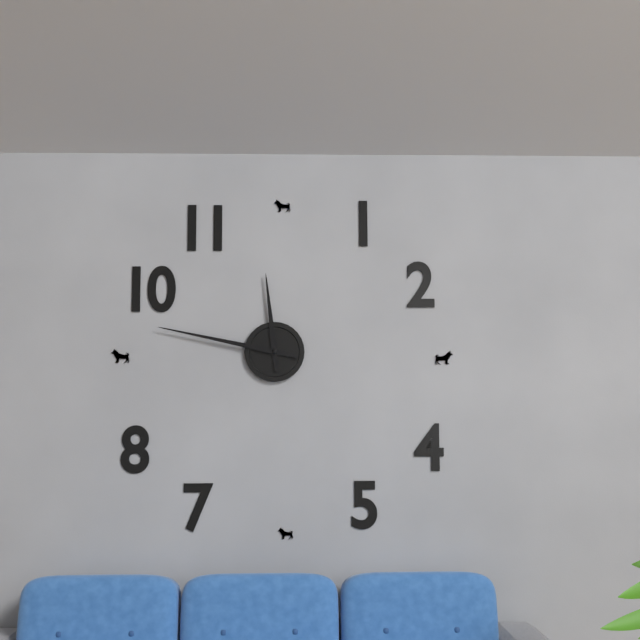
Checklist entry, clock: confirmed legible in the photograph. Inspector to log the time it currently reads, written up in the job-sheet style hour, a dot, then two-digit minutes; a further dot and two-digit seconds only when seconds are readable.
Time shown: 11.47
